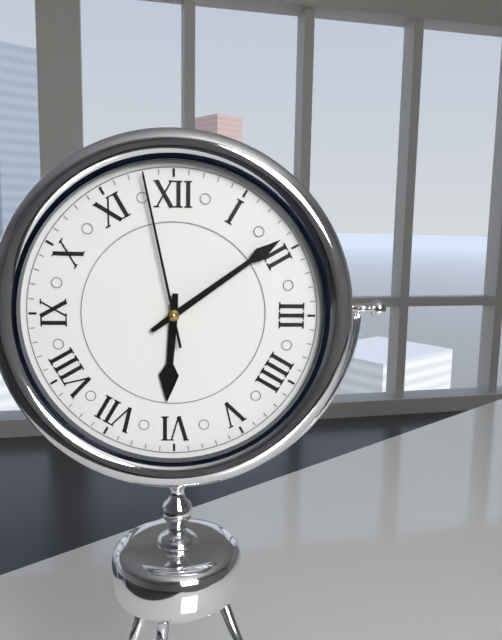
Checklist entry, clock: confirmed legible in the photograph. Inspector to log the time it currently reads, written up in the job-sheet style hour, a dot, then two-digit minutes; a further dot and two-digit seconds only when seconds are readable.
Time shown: 6.09.58
